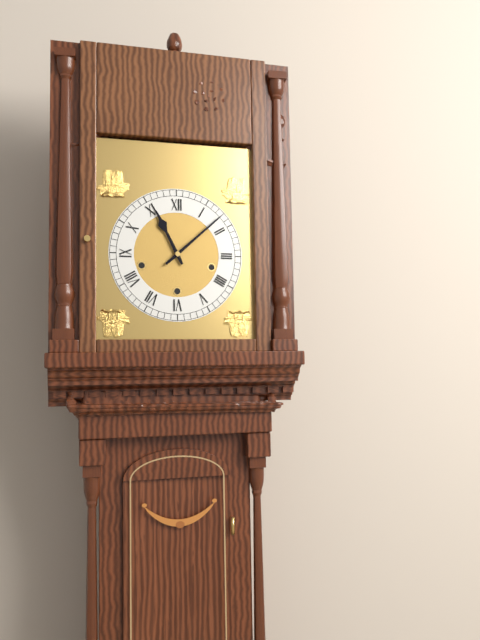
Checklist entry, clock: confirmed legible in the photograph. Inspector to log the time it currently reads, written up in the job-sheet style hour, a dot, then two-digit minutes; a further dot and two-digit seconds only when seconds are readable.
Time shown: 11.08
